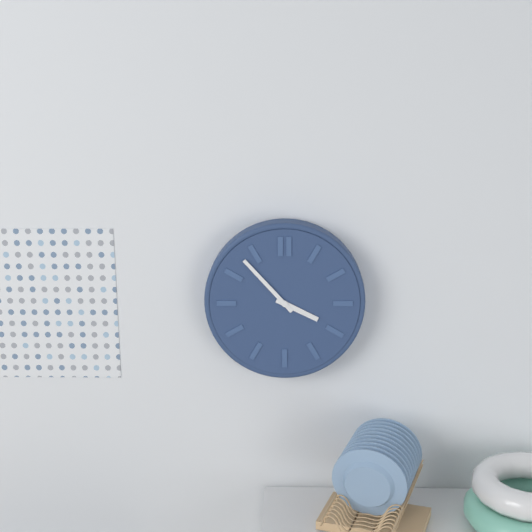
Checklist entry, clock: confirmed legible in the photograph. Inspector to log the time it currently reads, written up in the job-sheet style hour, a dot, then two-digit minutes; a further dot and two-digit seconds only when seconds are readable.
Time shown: 3.53
